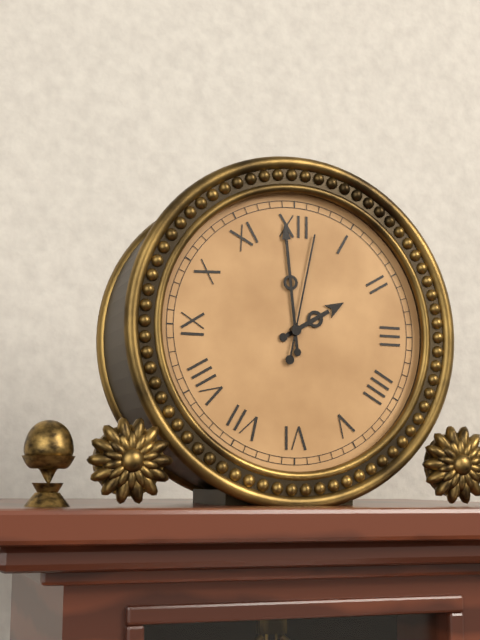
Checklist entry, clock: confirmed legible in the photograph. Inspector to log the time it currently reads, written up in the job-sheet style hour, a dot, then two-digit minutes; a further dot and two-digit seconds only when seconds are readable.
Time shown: 1.59.02
